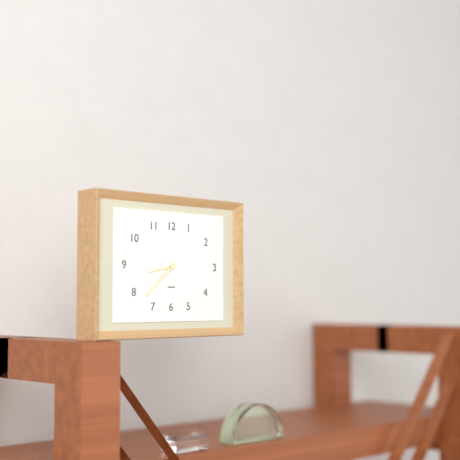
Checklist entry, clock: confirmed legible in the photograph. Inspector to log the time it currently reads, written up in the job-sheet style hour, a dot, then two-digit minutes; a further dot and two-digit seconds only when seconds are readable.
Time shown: 8.38
